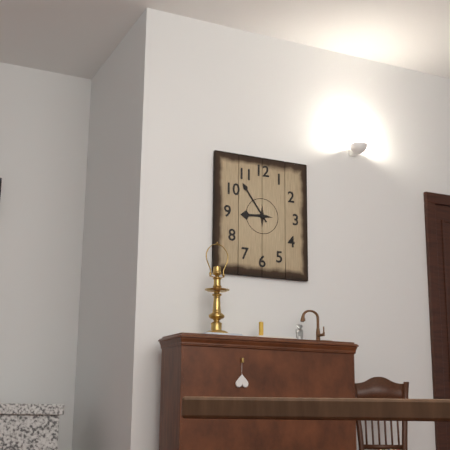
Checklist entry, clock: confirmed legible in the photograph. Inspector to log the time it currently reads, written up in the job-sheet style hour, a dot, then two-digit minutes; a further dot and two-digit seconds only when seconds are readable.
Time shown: 8.54
